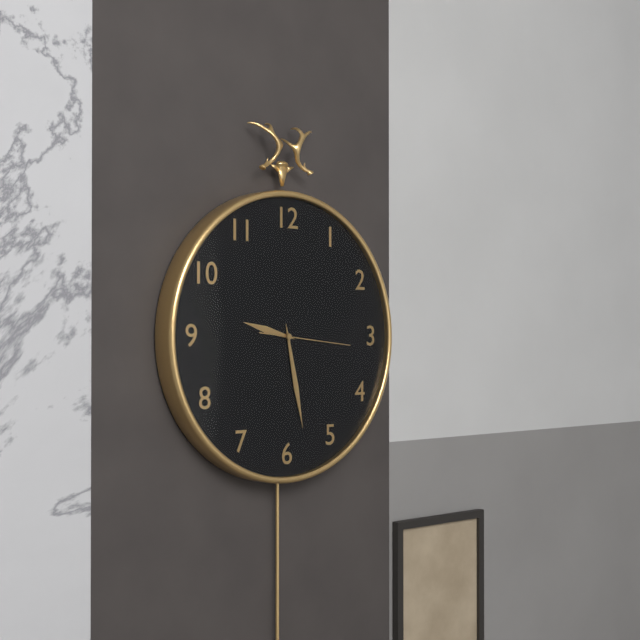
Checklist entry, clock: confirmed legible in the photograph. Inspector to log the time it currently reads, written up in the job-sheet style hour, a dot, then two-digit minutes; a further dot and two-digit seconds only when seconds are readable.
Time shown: 9.28.16
